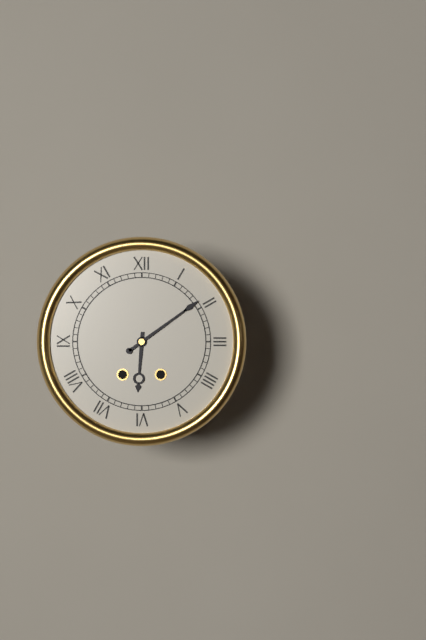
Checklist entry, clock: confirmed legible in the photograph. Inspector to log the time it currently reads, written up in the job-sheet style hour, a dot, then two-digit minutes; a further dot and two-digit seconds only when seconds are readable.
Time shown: 6.09
